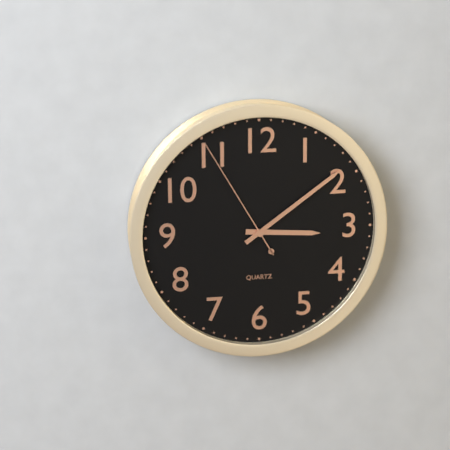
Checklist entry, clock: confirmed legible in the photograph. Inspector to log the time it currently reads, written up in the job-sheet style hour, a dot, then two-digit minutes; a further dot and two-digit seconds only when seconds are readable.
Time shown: 3.09.55
